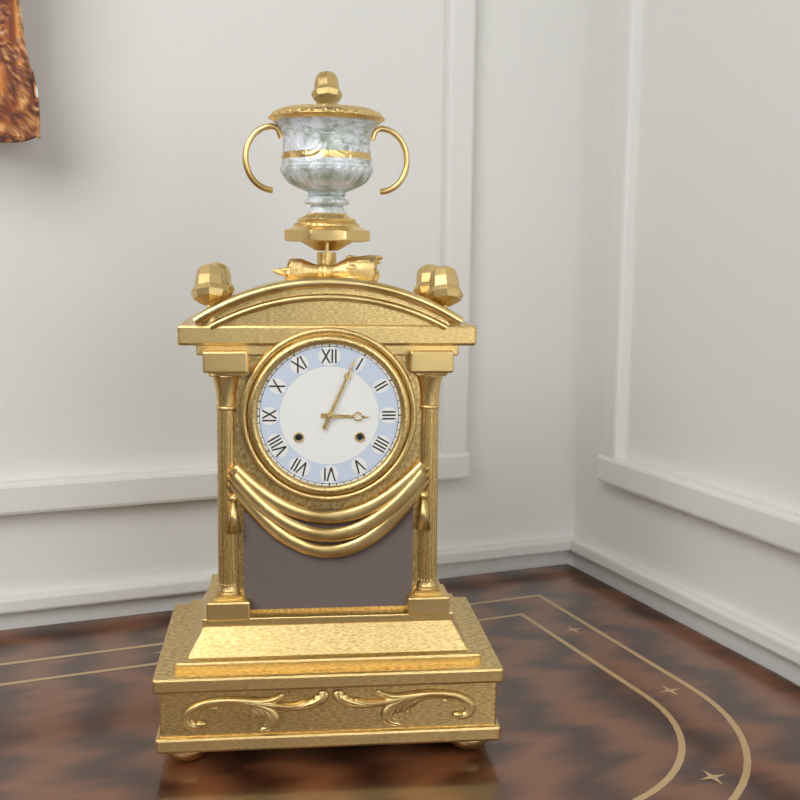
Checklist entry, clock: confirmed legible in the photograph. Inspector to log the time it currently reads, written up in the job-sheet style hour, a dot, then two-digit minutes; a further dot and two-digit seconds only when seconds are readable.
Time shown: 3.04
